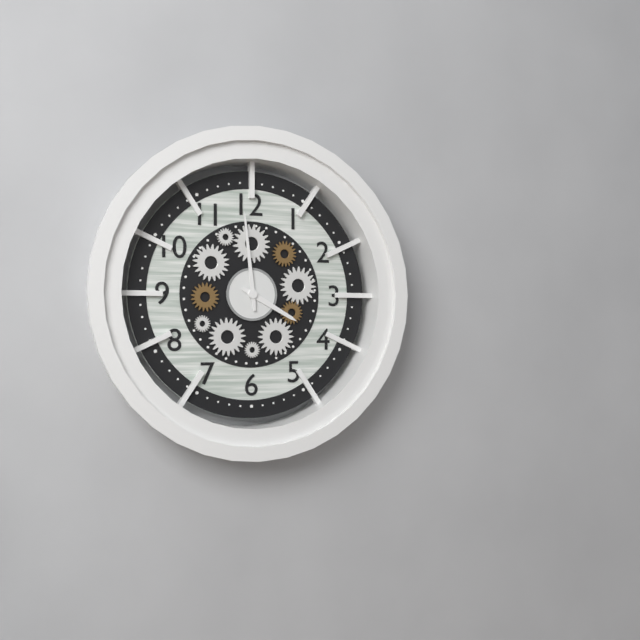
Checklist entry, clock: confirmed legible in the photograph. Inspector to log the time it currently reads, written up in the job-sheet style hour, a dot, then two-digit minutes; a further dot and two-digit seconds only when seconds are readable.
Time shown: 3.59
